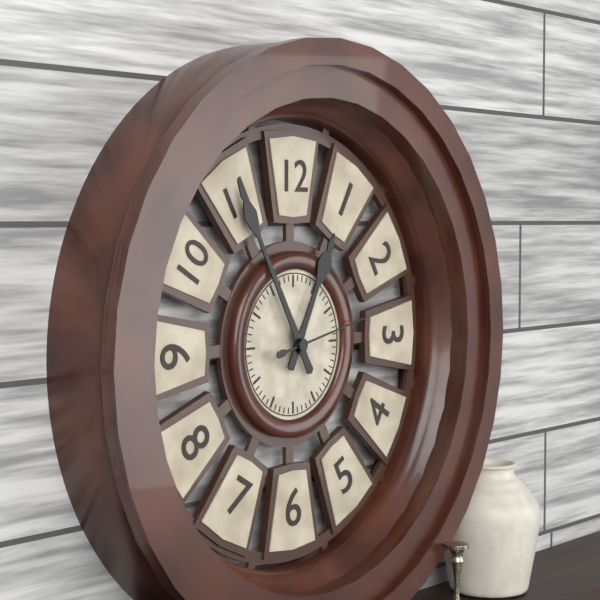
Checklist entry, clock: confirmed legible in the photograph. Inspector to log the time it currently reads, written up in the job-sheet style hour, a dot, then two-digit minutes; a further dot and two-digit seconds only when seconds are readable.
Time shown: 12.55.13
